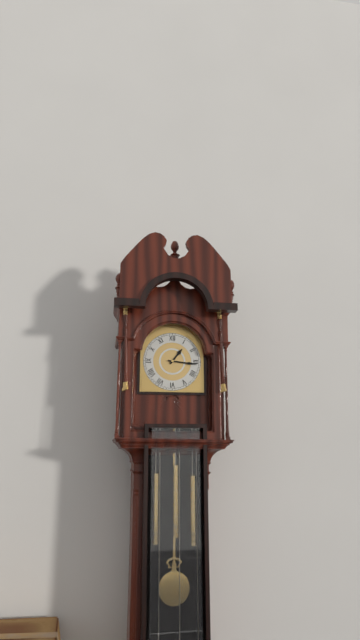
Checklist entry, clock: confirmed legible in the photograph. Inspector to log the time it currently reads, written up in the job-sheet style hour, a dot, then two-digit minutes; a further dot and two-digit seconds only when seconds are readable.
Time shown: 1.16
